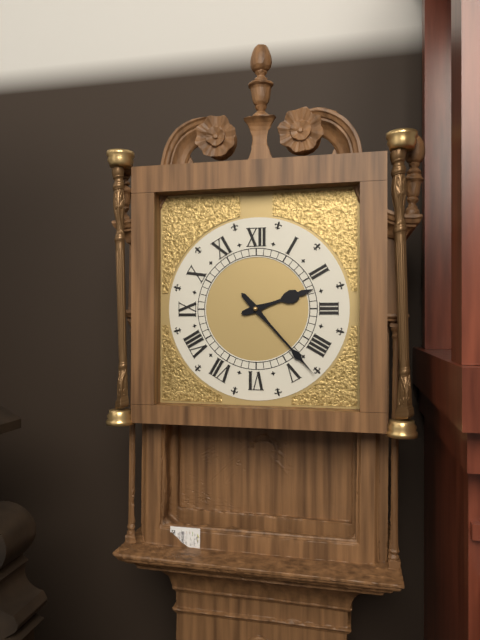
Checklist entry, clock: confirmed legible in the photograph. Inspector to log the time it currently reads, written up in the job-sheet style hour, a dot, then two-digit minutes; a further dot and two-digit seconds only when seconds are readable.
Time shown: 2.23
